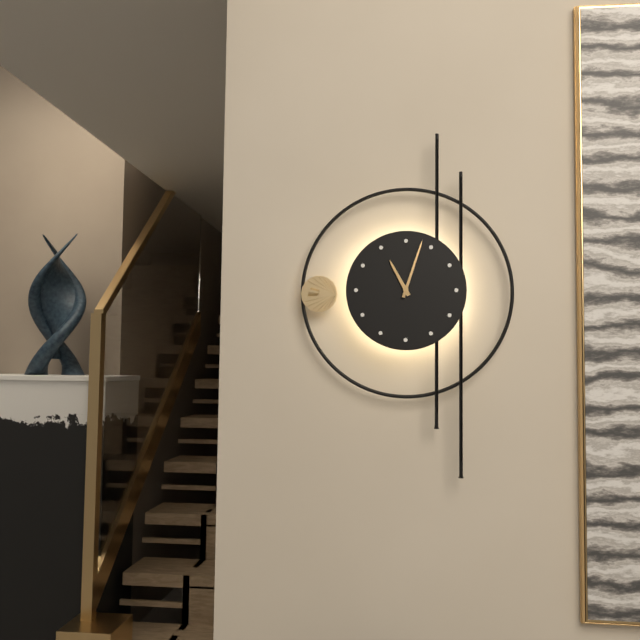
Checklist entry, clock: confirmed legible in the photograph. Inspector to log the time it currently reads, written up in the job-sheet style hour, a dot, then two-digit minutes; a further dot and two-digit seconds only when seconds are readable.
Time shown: 11.03
